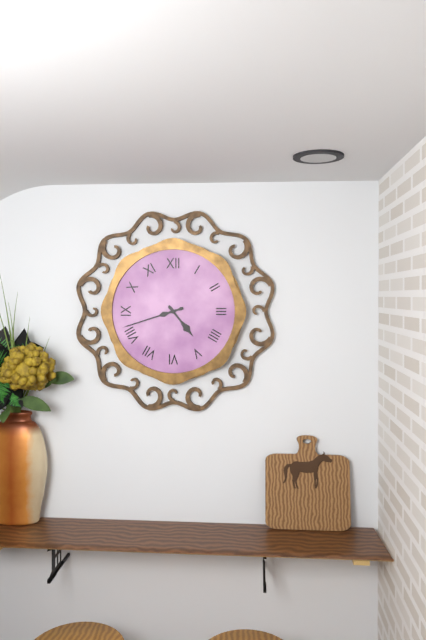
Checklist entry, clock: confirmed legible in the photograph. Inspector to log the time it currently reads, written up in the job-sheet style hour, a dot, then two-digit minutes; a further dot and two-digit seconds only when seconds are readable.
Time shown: 4.42
